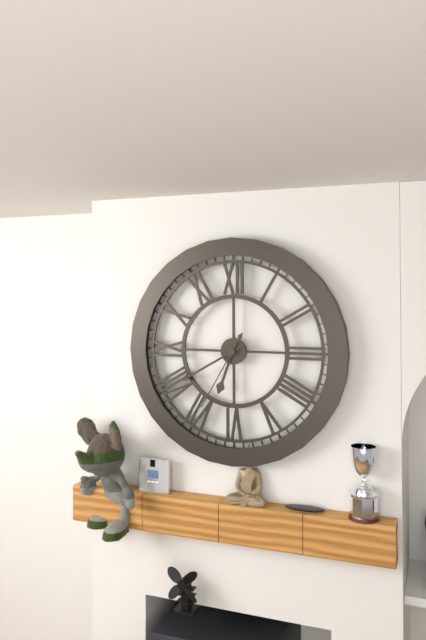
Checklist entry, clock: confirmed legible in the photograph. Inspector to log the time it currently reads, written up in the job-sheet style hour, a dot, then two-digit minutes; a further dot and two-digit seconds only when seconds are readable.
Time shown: 6.40.35
